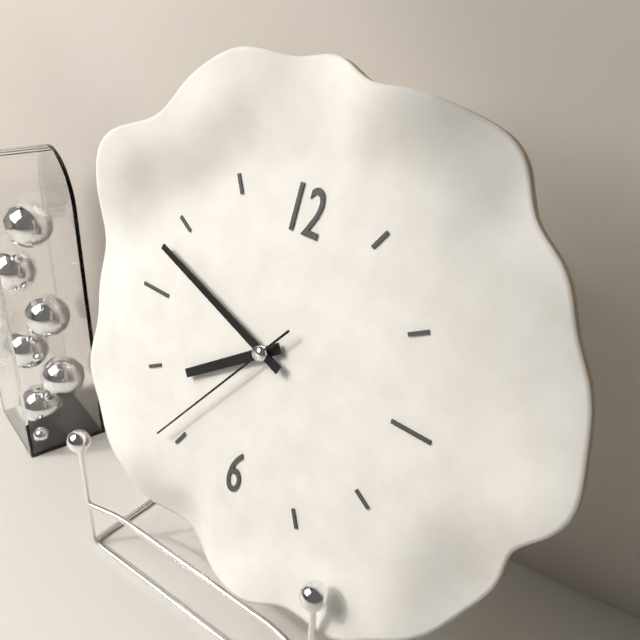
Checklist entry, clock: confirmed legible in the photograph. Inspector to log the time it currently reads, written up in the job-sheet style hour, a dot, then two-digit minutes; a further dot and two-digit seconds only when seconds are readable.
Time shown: 7.48.36
